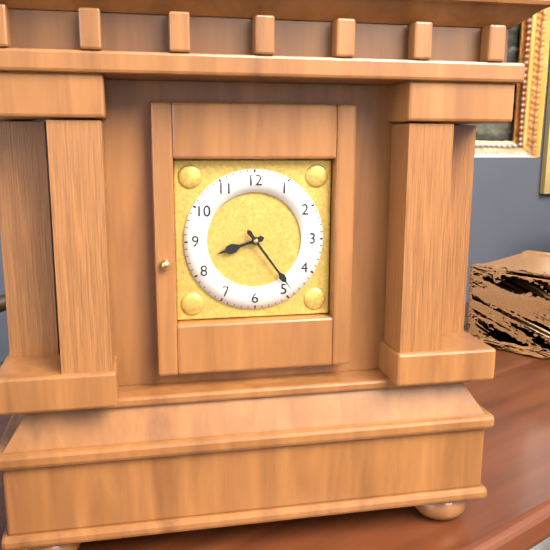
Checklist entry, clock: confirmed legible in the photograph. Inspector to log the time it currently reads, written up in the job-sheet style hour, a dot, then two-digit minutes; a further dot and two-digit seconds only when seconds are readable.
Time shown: 8.24
